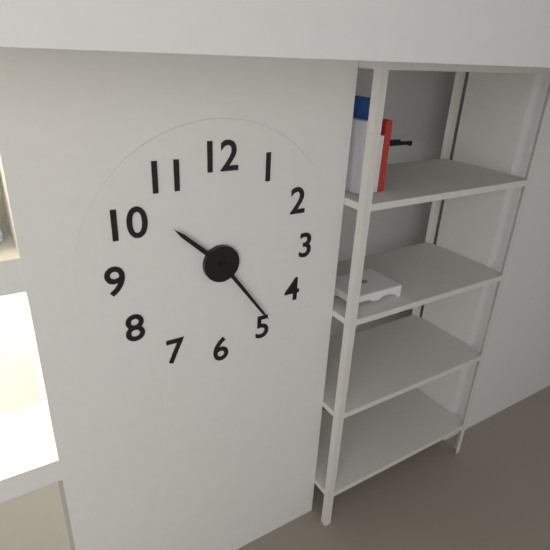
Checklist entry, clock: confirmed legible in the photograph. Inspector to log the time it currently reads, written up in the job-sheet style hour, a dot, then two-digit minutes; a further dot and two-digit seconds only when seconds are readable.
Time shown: 10.24
